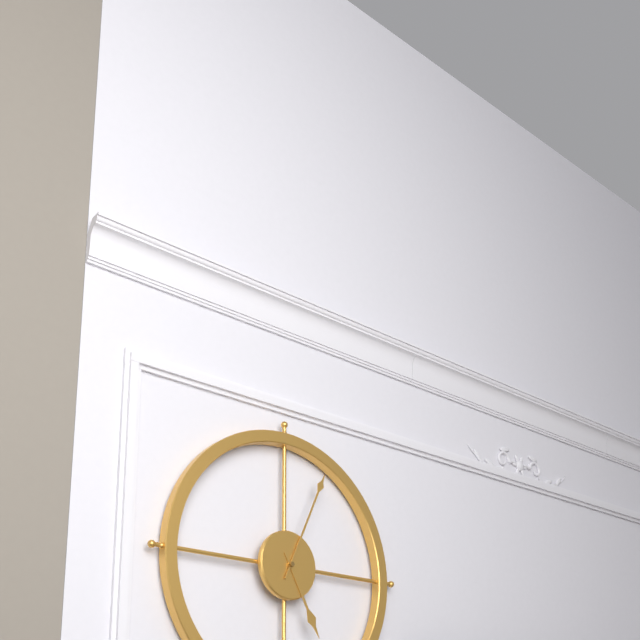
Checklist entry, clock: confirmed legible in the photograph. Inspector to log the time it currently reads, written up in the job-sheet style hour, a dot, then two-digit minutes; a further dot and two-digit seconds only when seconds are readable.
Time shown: 5.04
